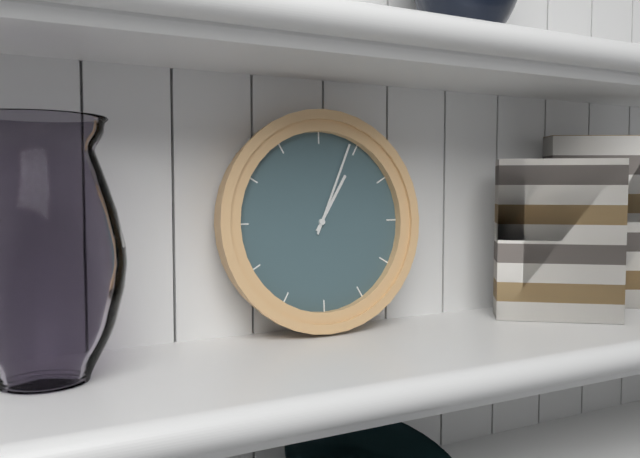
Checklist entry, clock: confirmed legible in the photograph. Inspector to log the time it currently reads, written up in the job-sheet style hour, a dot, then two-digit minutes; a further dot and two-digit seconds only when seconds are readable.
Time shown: 1.04
